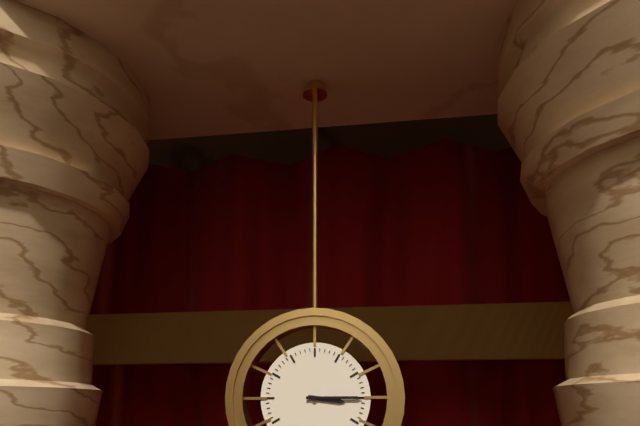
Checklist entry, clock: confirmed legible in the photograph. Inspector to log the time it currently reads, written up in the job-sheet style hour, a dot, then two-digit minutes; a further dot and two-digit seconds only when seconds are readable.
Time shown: 3.15
